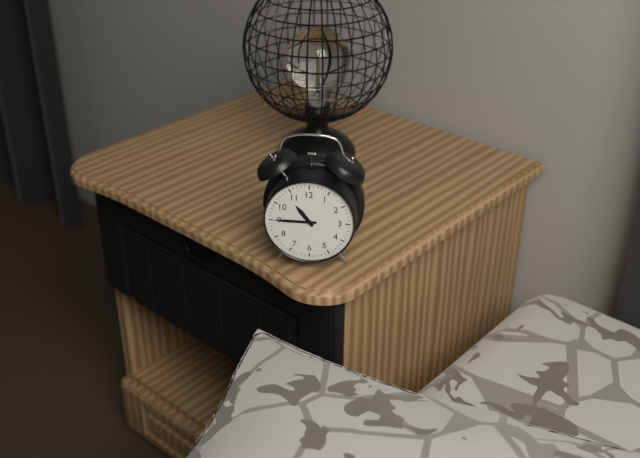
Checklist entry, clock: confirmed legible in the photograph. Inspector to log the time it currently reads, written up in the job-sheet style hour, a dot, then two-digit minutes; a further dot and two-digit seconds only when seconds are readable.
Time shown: 10.45
